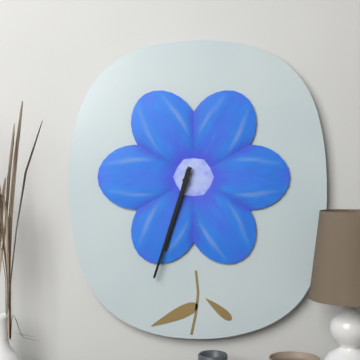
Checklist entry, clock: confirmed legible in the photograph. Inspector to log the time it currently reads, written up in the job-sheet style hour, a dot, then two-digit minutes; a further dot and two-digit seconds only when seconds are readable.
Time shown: 6.33
